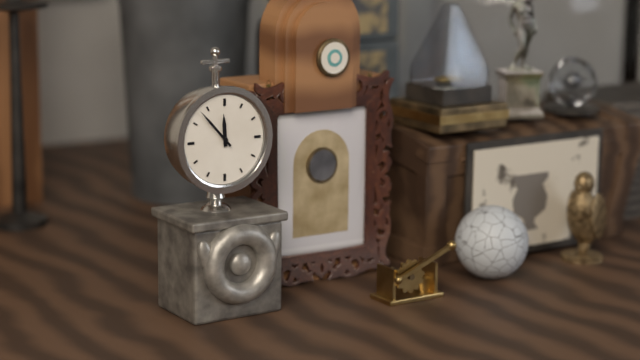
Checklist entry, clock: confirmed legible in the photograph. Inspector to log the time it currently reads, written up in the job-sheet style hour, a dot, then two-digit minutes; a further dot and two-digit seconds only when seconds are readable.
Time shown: 11.53
